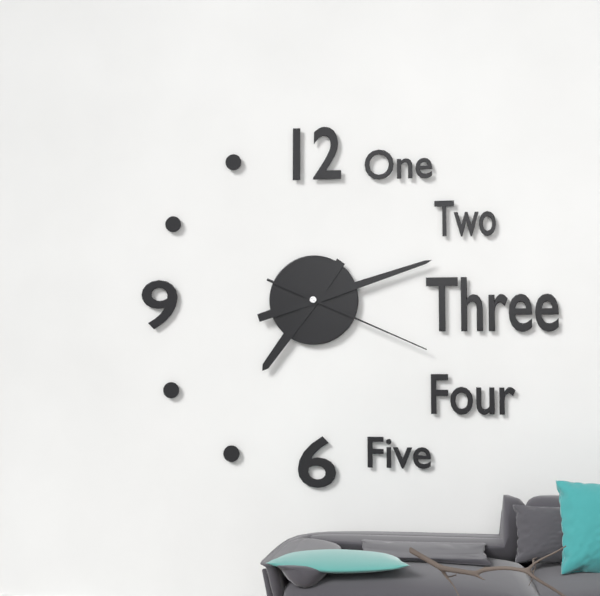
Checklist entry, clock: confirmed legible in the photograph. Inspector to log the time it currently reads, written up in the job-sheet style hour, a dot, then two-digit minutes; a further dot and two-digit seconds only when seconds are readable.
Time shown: 7.12.19
